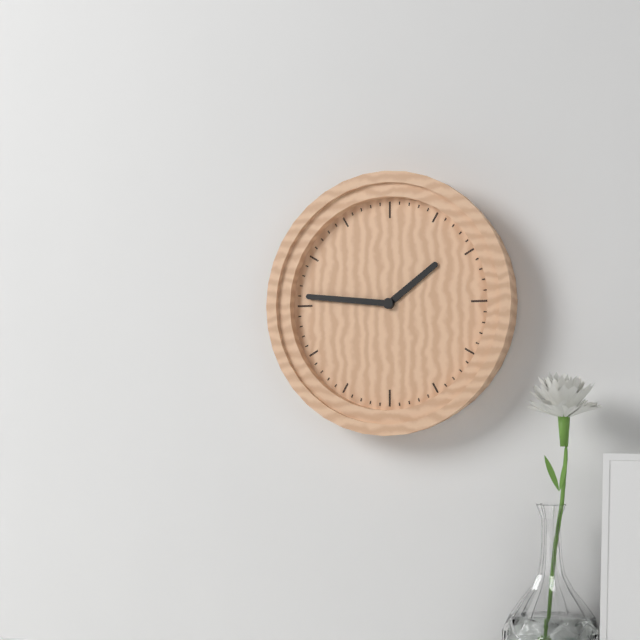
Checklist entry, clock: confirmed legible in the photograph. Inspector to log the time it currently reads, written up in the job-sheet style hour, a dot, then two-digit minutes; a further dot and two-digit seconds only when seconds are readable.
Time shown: 1.46
